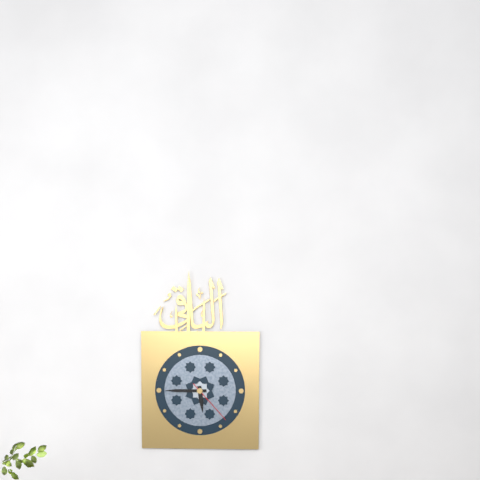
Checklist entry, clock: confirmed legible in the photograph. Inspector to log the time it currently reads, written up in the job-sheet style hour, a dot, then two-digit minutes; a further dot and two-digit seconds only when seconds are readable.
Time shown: 5.45
